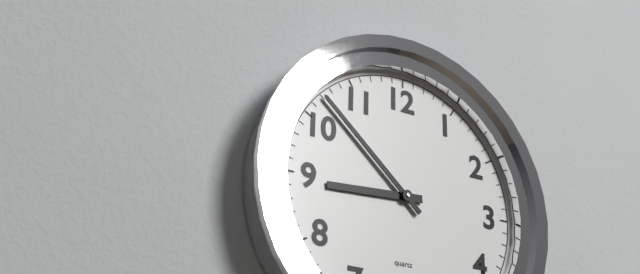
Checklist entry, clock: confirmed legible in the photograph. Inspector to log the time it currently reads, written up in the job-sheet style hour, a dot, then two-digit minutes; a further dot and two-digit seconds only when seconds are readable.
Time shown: 8.52
